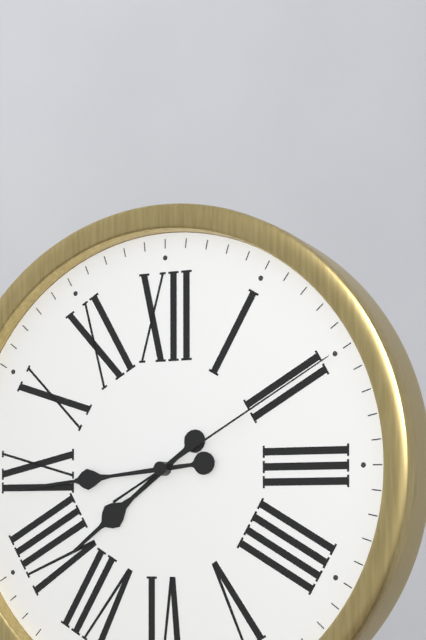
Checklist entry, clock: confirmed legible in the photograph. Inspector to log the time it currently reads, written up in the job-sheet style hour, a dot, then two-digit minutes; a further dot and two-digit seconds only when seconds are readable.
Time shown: 7.44.10
